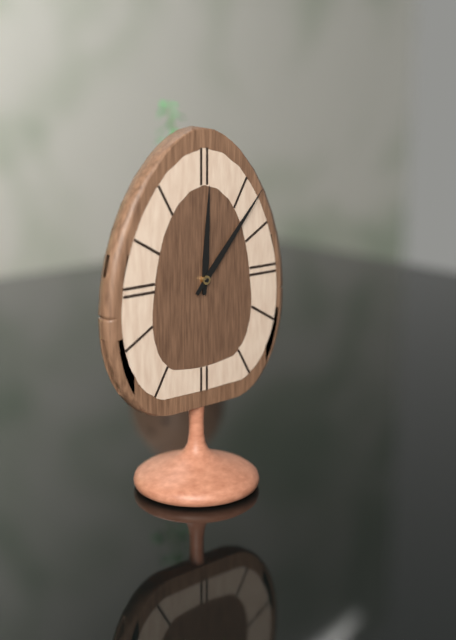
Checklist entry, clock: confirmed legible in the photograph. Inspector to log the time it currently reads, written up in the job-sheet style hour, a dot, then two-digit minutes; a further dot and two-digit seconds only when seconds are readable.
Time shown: 12.07
